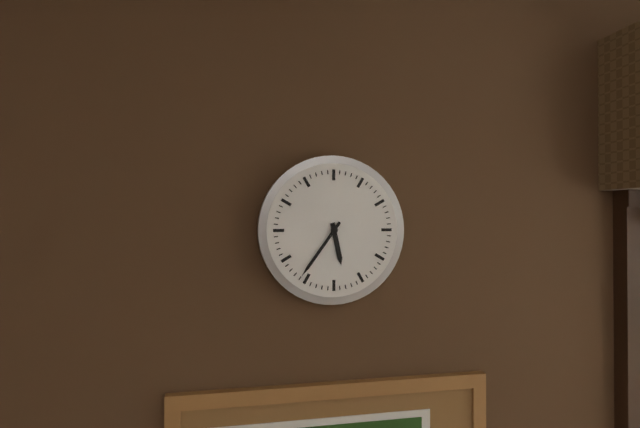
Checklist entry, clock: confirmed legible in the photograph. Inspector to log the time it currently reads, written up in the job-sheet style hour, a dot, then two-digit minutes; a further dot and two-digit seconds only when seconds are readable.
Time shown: 5.36
